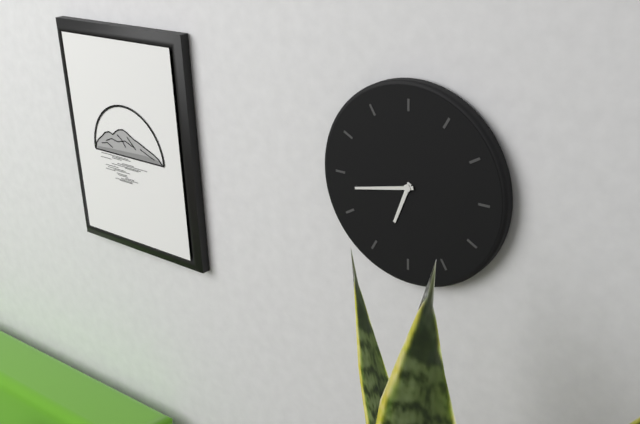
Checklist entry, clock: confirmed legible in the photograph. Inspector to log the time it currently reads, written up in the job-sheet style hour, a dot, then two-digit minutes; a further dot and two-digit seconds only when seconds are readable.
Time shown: 6.43
